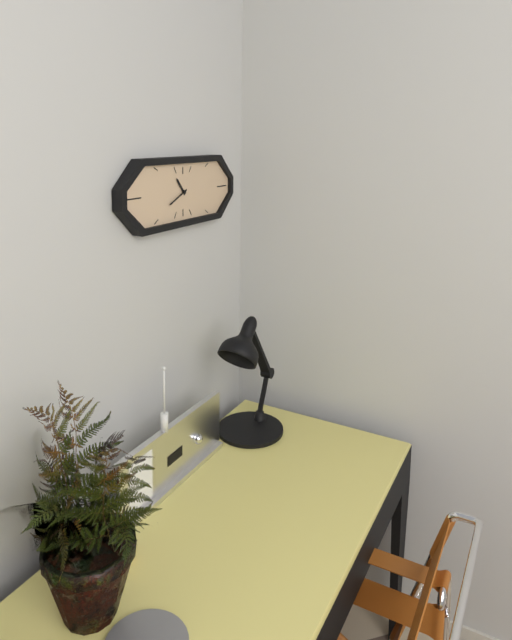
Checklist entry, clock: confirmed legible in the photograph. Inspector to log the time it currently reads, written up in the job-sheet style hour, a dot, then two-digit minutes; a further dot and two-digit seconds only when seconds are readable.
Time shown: 10.41
